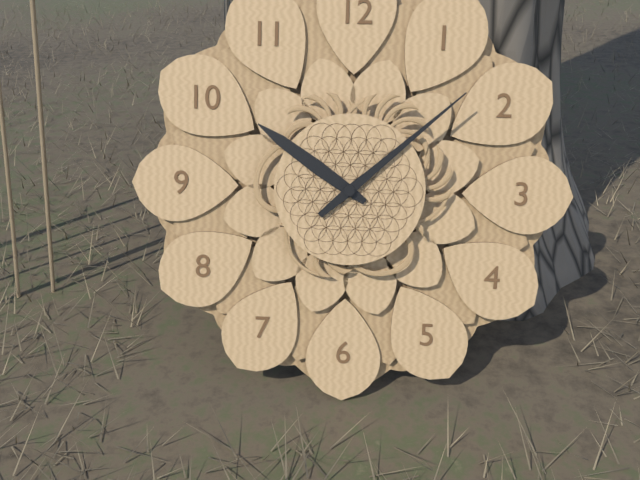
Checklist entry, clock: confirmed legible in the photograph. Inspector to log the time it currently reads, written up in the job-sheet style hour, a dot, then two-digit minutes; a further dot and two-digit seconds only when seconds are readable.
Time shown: 10.08
